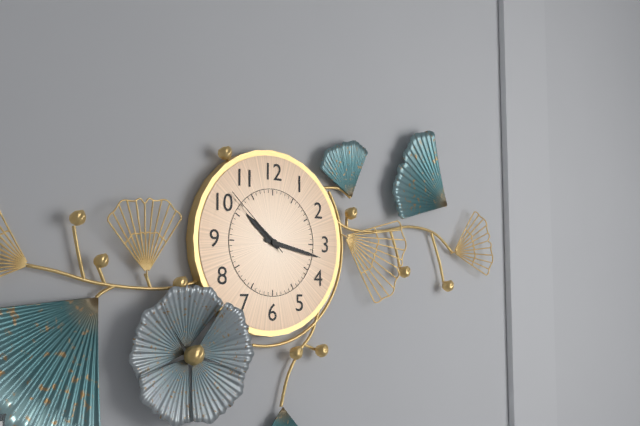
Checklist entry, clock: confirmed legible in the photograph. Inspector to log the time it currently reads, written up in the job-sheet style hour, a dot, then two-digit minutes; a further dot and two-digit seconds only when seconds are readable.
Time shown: 10.17.52
